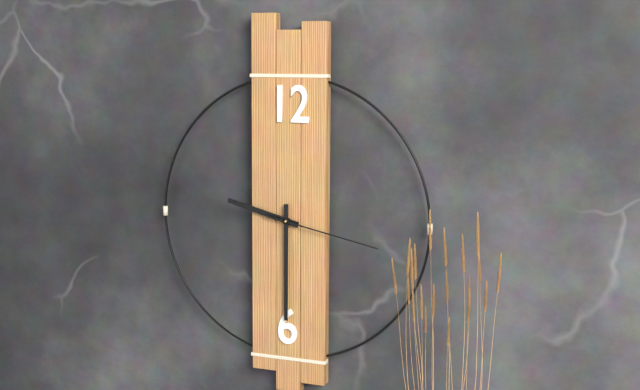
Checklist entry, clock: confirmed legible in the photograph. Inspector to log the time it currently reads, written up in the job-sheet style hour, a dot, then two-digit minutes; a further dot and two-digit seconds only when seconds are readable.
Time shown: 9.30.17
